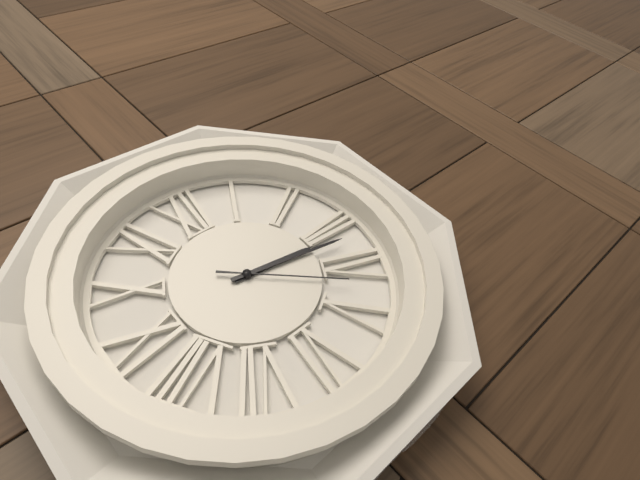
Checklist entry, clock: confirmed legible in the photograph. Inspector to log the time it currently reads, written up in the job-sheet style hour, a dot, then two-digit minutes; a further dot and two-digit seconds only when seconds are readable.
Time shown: 3.17.22
